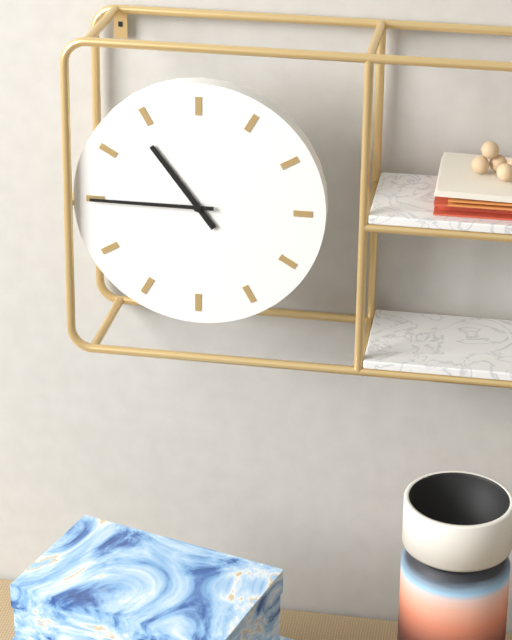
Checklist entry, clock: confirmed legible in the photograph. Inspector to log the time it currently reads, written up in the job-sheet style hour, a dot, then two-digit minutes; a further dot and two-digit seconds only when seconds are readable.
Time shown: 10.45
